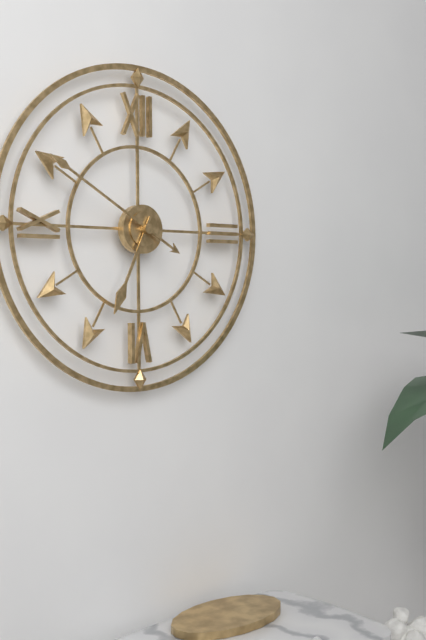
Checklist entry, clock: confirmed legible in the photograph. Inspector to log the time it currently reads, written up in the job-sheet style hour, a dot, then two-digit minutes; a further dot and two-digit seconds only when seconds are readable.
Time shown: 6.50
